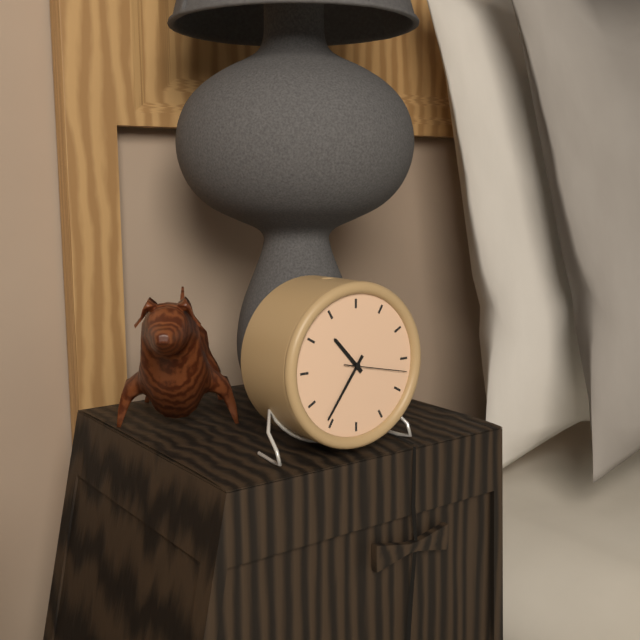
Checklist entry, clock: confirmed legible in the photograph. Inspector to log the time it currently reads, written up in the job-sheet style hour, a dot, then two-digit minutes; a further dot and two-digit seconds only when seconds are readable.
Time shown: 10.36.17
